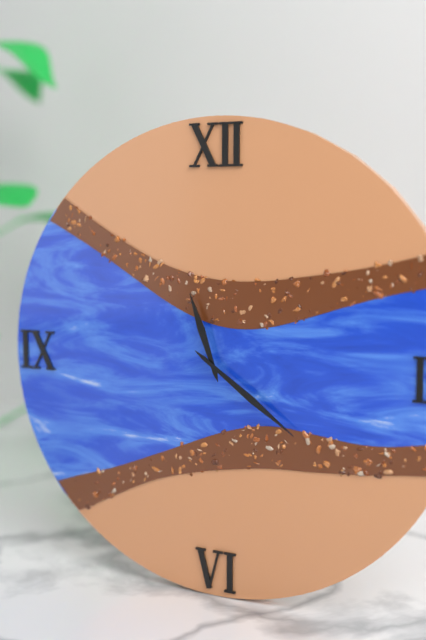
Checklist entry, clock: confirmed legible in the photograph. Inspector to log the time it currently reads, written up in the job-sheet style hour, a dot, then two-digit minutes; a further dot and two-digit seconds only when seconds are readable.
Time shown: 11.21
